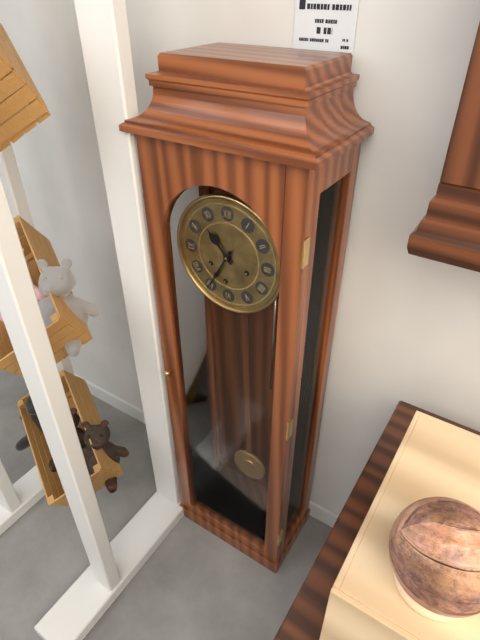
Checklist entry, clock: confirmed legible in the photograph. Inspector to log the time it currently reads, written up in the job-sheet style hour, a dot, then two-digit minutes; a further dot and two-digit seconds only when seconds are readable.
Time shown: 10.35
